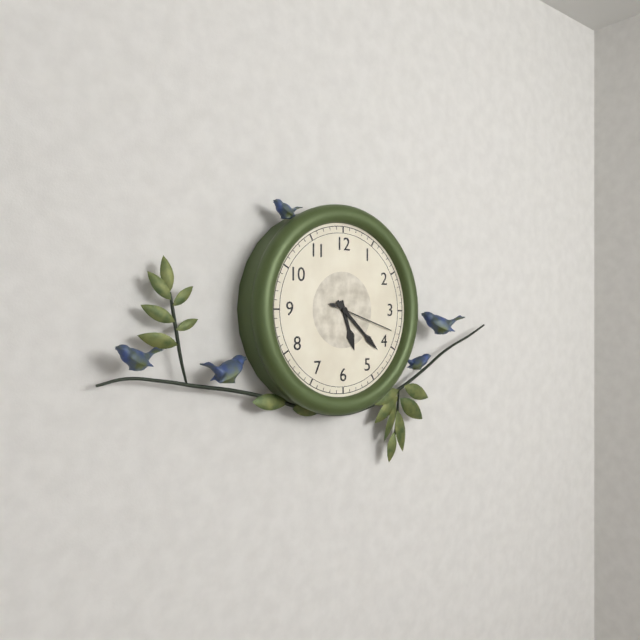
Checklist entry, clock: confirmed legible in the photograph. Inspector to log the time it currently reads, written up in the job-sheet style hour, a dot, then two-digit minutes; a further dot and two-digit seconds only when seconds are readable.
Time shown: 5.22.18
